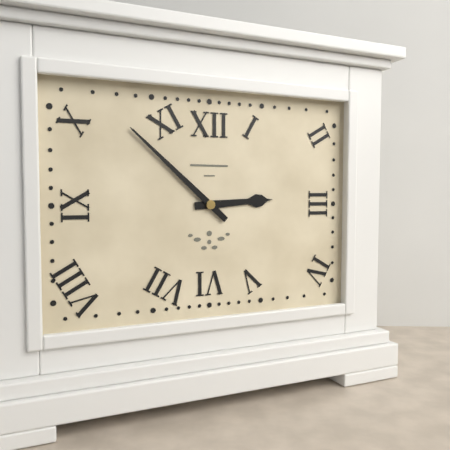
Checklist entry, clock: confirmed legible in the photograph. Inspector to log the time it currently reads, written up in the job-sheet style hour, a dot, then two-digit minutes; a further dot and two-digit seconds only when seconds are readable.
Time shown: 2.52
